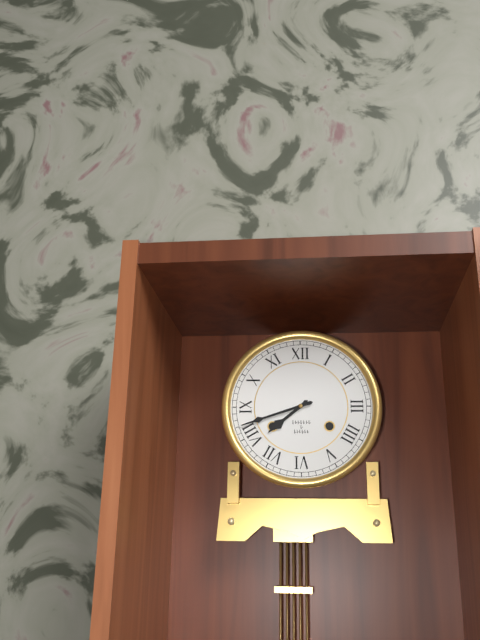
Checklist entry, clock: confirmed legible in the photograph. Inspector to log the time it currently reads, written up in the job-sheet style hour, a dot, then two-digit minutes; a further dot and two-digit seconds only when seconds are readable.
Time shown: 7.42
